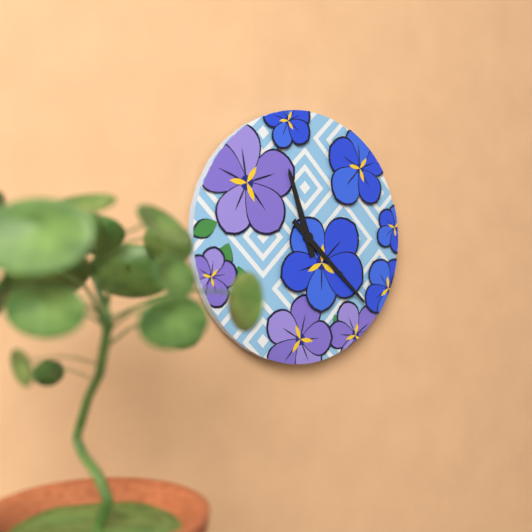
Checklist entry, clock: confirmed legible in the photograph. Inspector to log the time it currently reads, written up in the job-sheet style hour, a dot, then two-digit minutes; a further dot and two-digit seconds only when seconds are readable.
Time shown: 11.22
